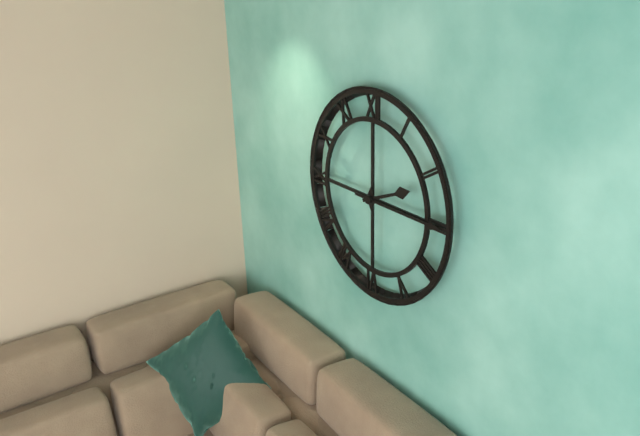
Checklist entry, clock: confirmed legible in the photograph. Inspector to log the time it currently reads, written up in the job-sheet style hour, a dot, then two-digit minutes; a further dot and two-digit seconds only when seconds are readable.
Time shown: 2.15
